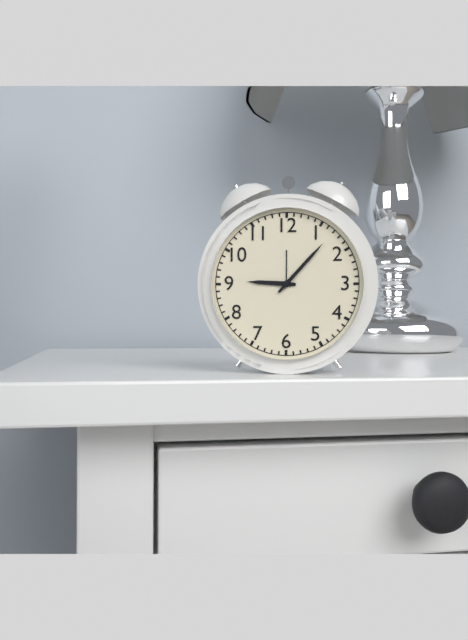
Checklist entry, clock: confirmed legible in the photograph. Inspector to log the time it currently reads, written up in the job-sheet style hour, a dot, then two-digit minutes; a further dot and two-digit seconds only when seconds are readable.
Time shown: 9.07
